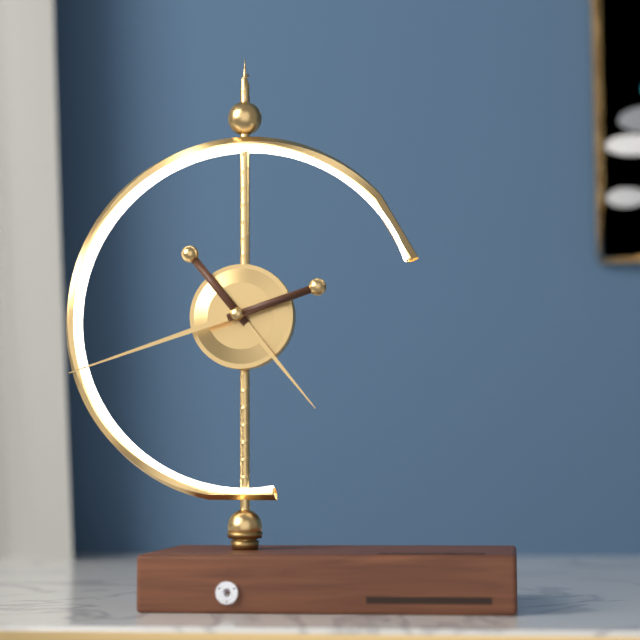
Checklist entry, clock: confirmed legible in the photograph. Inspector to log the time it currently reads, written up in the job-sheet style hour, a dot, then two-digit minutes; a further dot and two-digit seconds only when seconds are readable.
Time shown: 4.42
